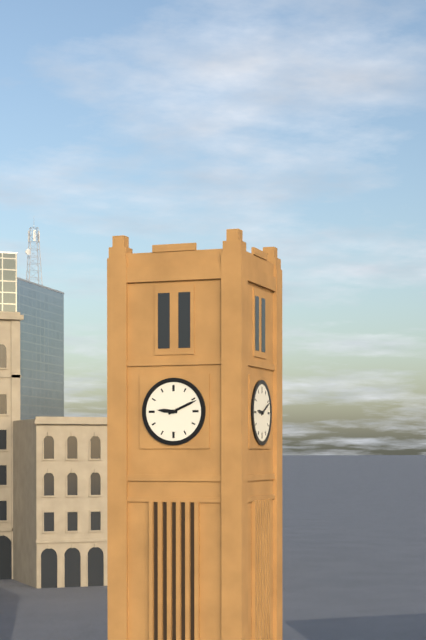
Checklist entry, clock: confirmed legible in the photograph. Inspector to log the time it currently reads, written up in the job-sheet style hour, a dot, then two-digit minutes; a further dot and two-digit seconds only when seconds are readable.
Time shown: 9.11
